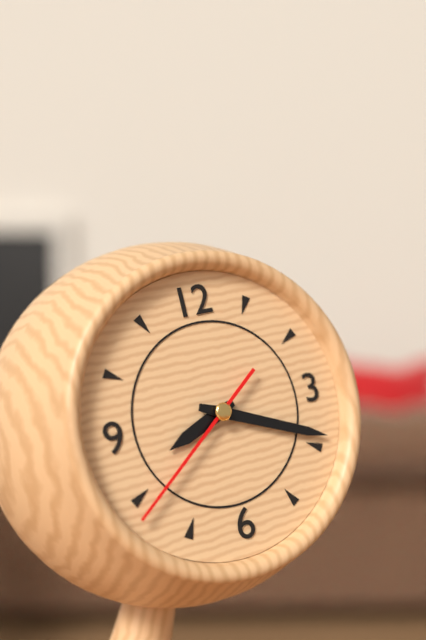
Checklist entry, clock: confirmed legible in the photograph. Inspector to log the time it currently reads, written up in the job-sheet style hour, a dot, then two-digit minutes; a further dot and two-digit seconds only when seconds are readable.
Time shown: 8.19.39
